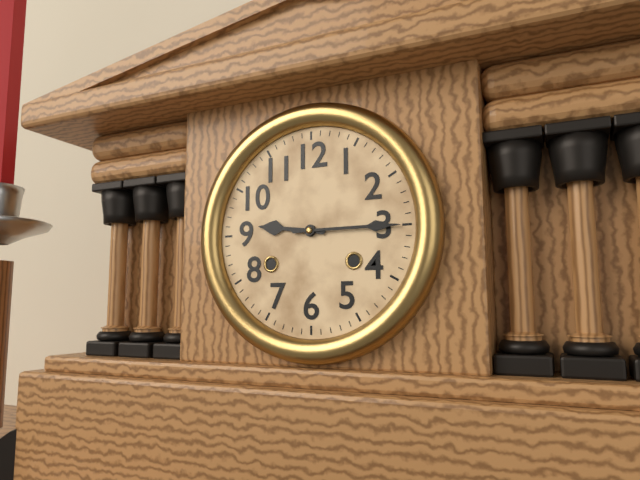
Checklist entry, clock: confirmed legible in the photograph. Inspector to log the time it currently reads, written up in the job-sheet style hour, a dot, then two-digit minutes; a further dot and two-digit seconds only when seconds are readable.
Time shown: 9.15
